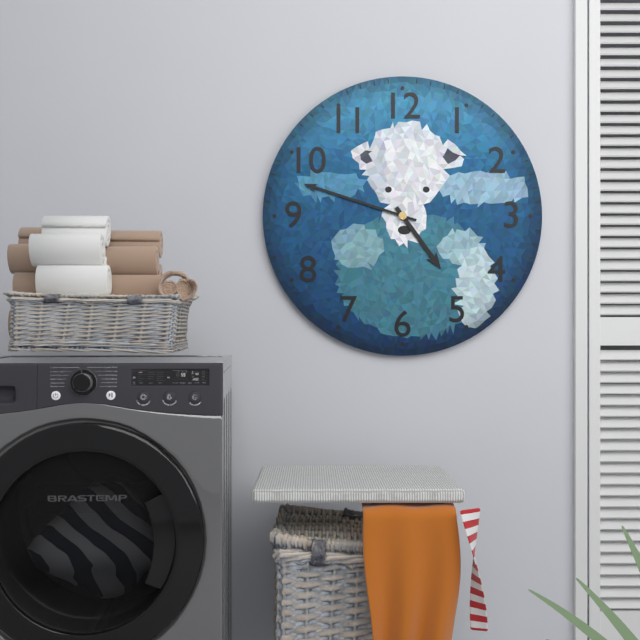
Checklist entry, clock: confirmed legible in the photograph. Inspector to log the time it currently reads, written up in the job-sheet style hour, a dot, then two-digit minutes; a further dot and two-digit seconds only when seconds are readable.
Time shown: 4.48
